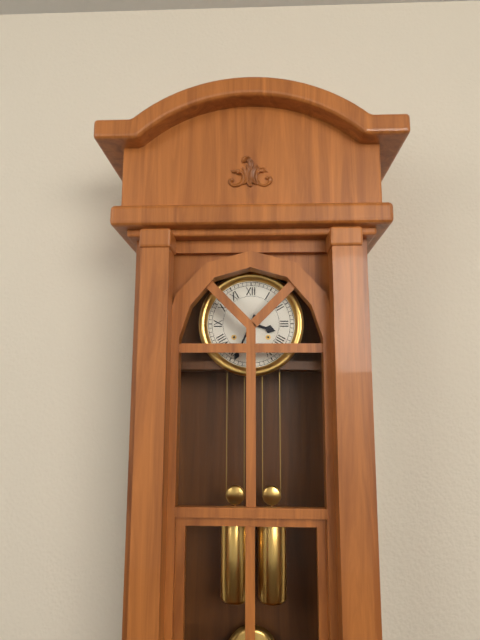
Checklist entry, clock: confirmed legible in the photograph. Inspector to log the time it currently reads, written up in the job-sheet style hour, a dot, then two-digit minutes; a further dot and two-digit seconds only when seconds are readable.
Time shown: 3.34
